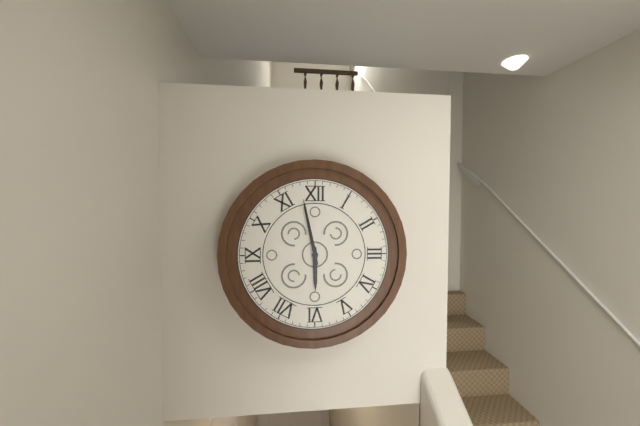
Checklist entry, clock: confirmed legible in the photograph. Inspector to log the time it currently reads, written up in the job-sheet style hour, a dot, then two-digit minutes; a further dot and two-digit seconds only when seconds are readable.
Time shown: 5.58
